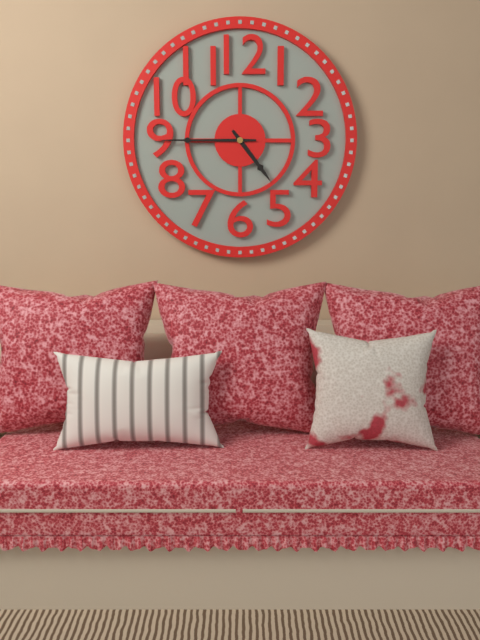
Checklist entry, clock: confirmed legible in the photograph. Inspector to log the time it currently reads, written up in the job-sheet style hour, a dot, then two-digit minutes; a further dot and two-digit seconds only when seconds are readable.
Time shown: 4.45
